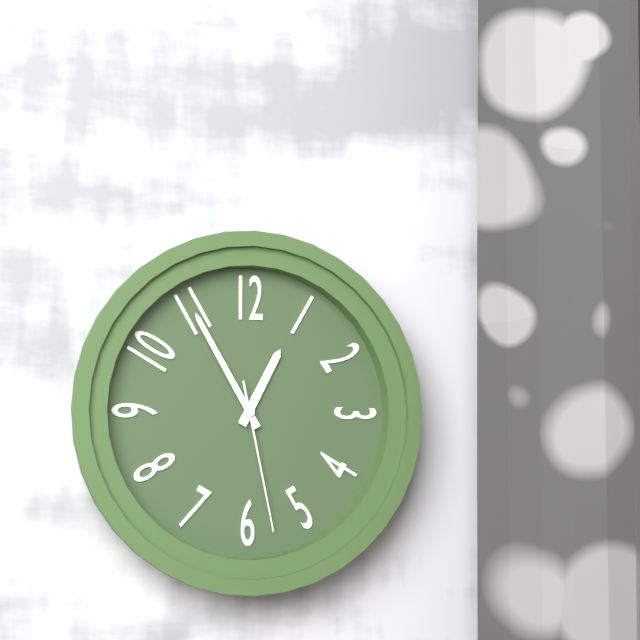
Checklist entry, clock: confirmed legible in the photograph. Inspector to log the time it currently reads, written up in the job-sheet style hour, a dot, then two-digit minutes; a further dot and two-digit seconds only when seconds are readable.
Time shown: 12.55.28
